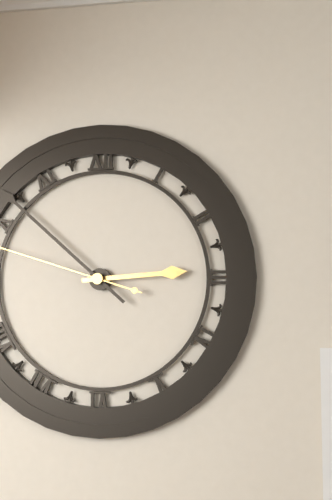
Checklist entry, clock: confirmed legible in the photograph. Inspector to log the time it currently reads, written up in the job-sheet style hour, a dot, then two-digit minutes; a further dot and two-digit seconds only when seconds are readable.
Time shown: 2.52
